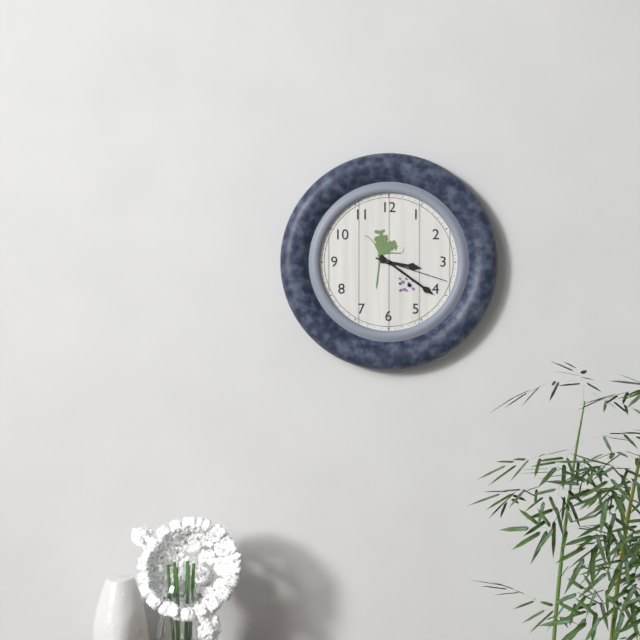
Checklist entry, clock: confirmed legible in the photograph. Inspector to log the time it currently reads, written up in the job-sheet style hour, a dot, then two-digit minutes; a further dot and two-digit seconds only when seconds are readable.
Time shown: 3.21.18
